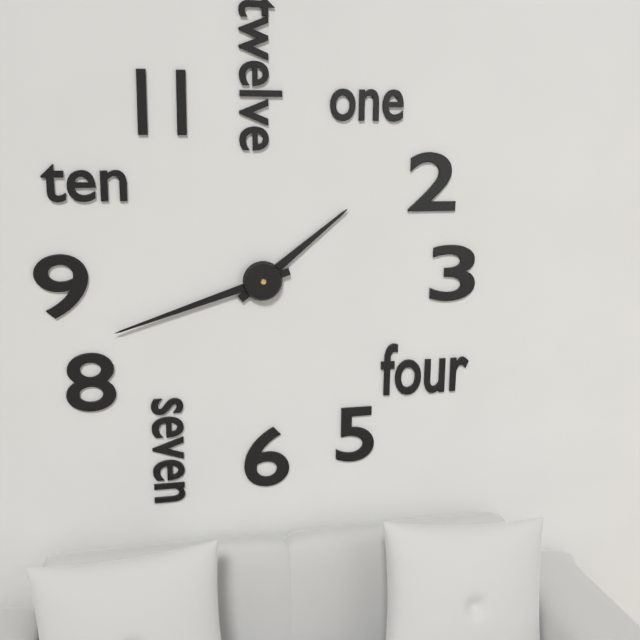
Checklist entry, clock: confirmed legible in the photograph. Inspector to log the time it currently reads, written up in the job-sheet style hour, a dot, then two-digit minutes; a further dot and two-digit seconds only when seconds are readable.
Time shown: 1.42
